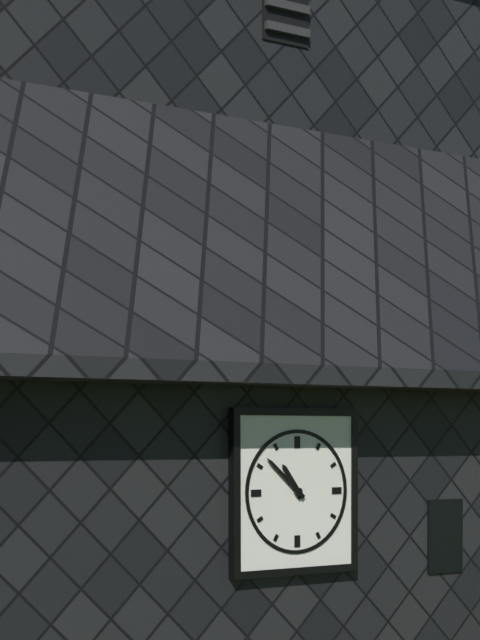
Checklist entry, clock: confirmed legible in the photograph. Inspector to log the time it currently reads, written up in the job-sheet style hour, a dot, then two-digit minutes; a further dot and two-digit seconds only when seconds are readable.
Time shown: 10.52
